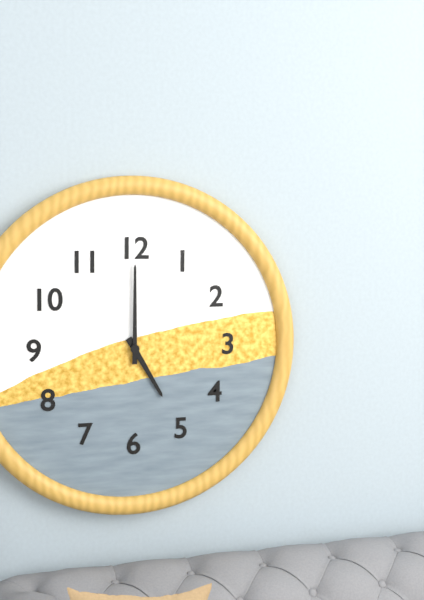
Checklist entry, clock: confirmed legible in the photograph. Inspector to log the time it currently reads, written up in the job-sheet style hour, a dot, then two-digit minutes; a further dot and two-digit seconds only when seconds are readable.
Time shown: 5.00
